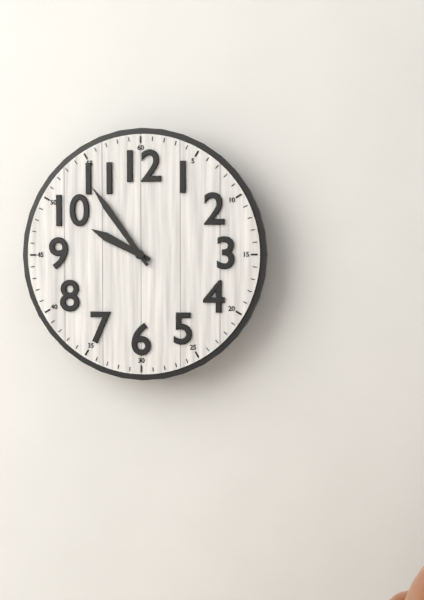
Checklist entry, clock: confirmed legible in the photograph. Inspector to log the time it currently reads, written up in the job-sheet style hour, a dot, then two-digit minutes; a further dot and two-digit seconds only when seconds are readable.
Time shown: 9.54
